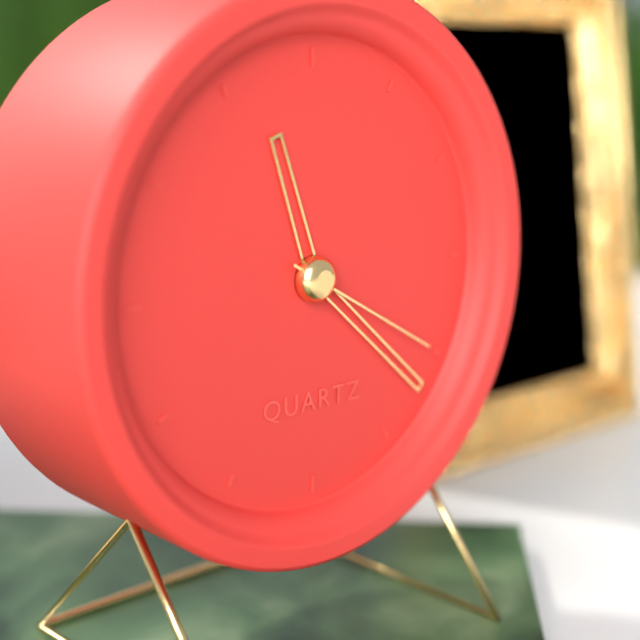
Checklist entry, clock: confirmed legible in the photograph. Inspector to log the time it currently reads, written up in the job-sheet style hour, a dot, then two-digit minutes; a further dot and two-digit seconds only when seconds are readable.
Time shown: 11.22.20
